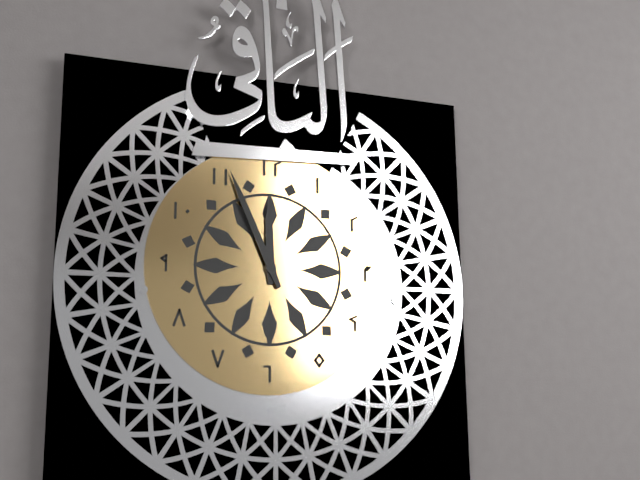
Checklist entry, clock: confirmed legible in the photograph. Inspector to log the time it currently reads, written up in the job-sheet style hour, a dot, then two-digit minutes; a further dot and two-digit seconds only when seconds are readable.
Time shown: 11.56
